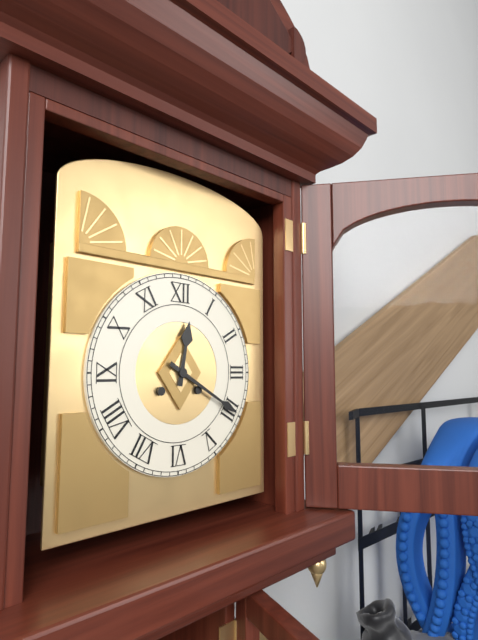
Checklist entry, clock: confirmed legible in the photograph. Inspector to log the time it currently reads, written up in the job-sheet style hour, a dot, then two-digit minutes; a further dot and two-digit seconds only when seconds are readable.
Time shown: 12.20
